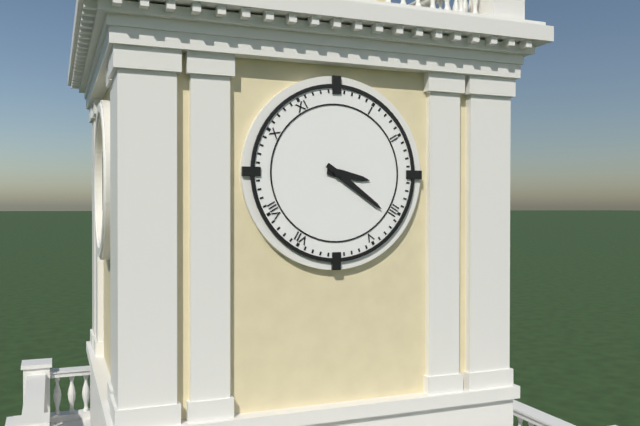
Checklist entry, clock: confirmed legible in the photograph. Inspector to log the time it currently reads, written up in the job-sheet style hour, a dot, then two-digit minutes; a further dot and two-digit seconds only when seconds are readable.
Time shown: 3.21
